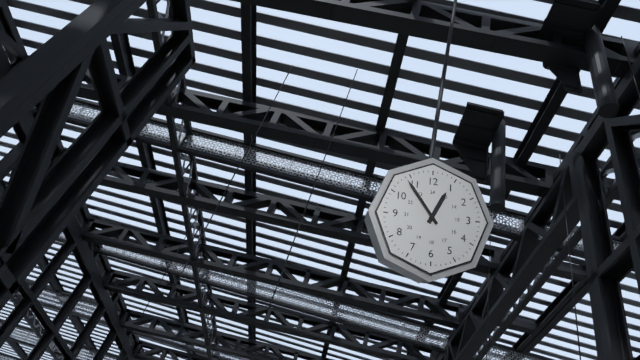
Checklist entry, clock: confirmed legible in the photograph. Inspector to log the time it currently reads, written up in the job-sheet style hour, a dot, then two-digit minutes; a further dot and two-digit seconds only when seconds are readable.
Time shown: 12.54
